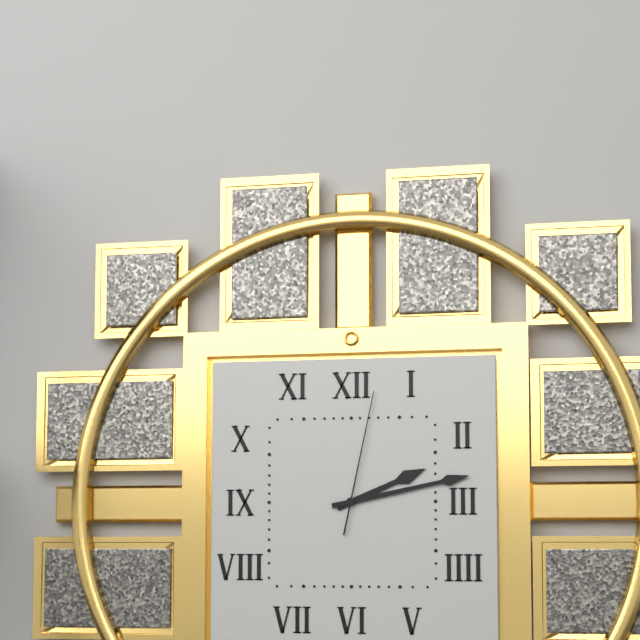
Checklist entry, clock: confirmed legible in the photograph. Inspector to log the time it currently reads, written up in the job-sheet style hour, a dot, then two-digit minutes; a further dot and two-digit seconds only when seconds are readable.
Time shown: 2.13.02
